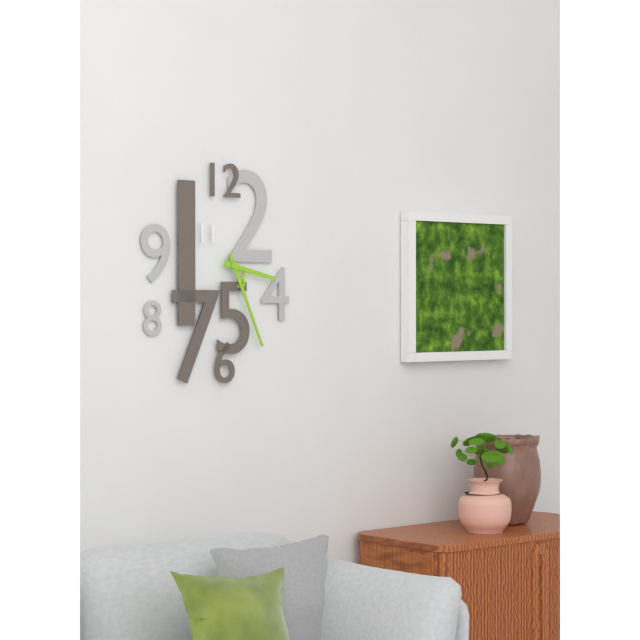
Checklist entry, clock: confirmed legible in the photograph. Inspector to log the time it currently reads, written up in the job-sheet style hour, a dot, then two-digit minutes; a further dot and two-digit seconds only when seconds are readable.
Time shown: 3.26
